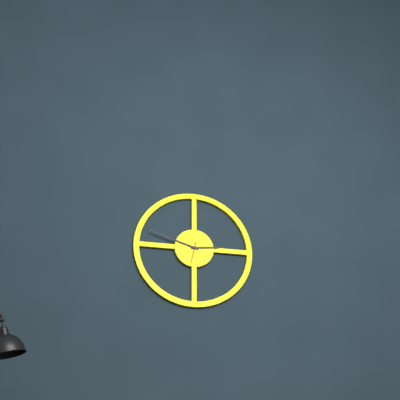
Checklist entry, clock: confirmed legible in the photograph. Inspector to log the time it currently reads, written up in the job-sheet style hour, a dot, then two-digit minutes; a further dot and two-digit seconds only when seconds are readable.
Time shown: 2.48
